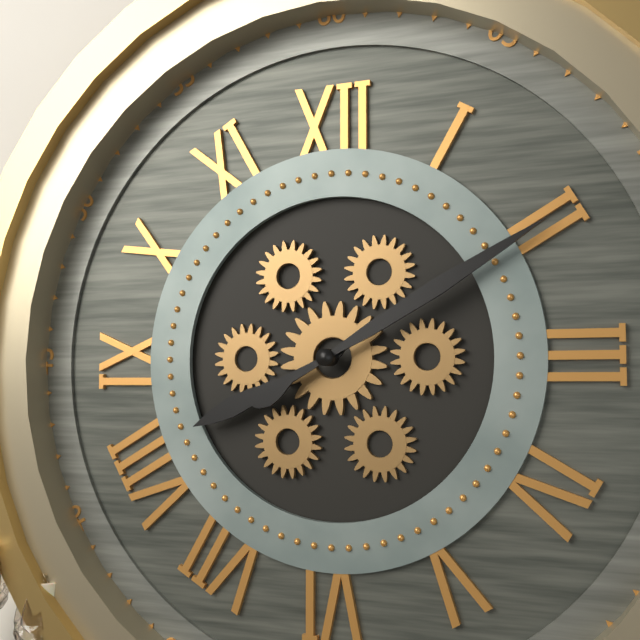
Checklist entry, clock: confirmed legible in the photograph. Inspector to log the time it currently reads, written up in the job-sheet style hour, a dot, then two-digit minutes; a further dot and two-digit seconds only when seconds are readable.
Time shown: 8.10
